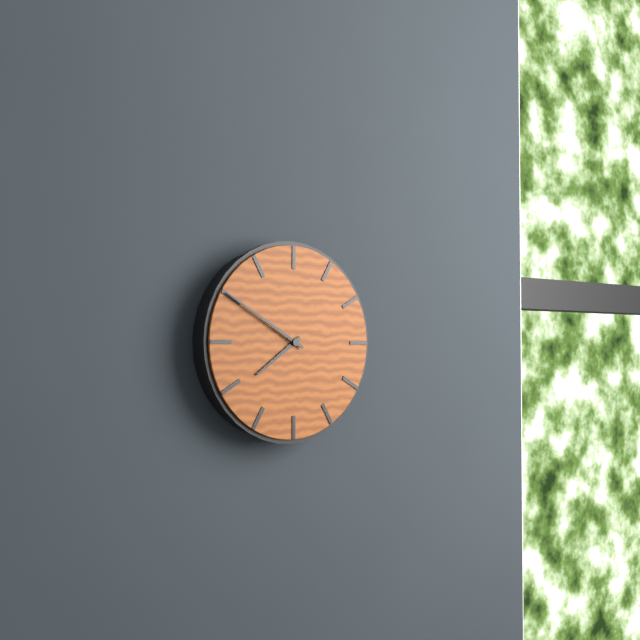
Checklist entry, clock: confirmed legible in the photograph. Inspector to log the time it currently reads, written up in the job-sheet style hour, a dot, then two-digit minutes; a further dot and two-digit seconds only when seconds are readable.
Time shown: 7.50
